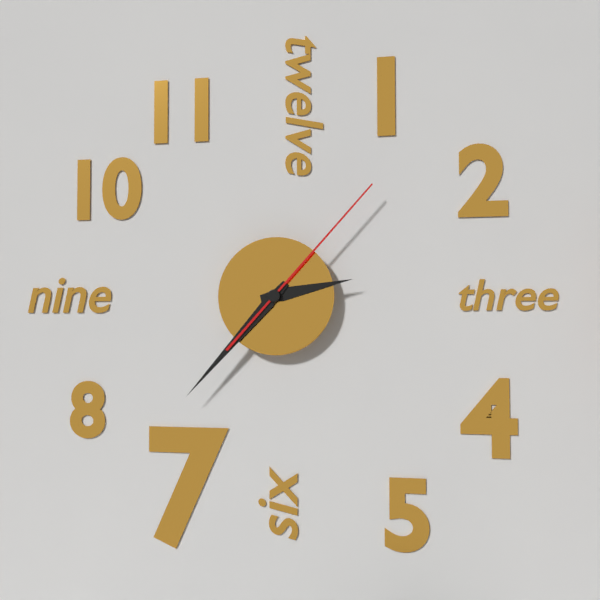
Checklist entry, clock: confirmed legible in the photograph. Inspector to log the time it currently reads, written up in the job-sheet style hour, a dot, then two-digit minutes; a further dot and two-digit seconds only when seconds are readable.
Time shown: 2.37.07
